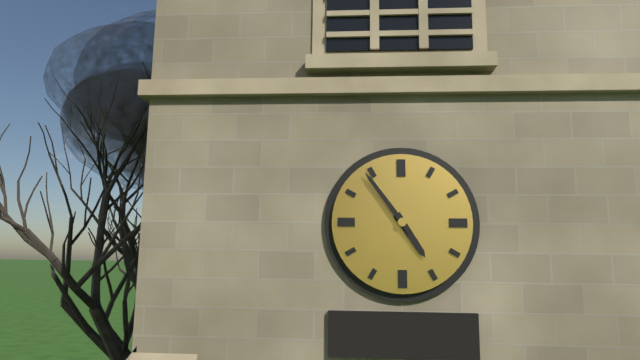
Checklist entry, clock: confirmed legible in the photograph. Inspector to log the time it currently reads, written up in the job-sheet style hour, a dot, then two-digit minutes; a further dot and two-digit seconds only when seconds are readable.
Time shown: 4.54
